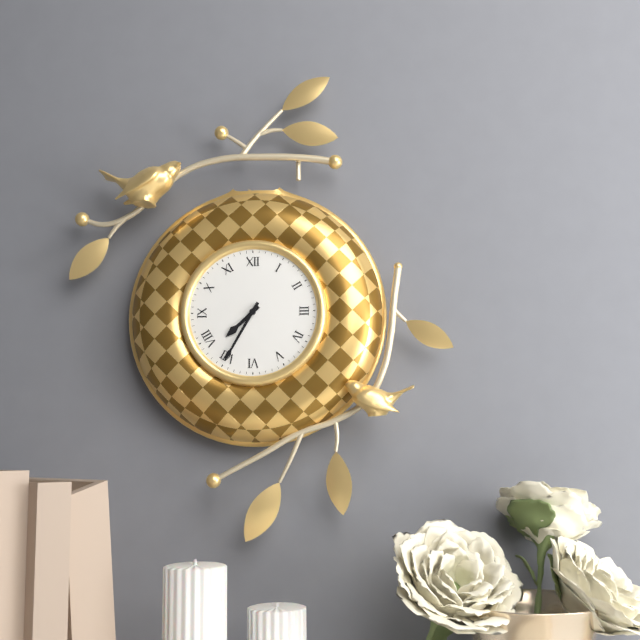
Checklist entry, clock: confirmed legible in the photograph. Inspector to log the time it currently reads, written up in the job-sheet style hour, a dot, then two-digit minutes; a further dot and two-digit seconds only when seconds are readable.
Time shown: 7.35
